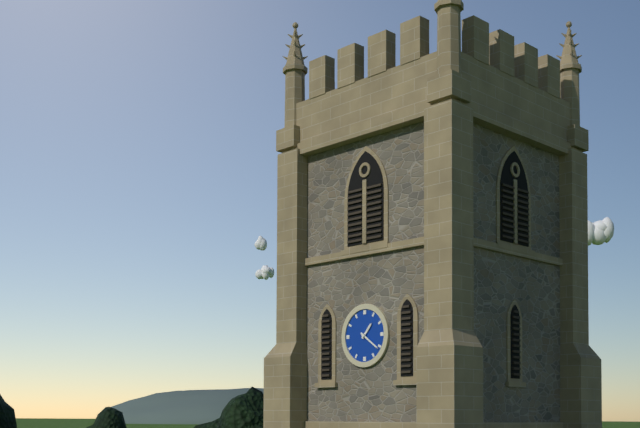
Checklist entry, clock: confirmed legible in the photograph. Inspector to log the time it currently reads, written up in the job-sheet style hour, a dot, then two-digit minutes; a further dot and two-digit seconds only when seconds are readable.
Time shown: 1.21
